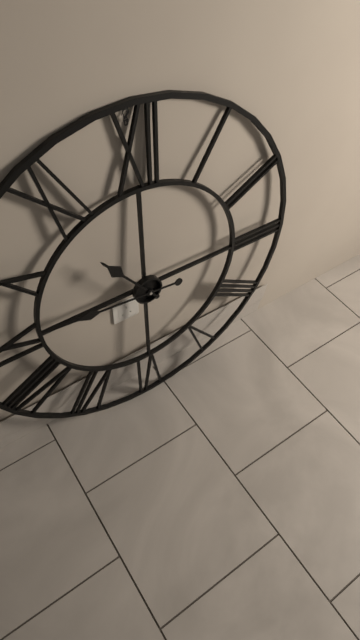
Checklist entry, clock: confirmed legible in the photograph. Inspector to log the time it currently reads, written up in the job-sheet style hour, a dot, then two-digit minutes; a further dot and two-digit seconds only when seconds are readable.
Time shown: 10.46
